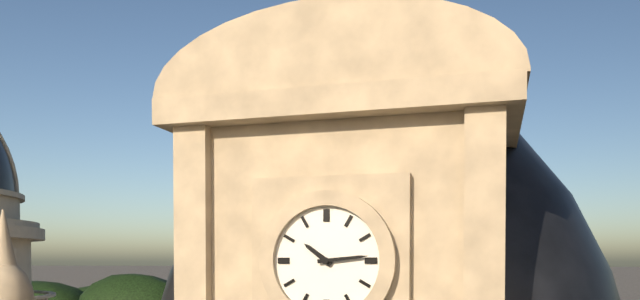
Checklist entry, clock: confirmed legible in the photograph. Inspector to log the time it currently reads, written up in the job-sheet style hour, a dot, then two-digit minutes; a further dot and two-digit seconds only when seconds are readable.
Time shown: 10.14
